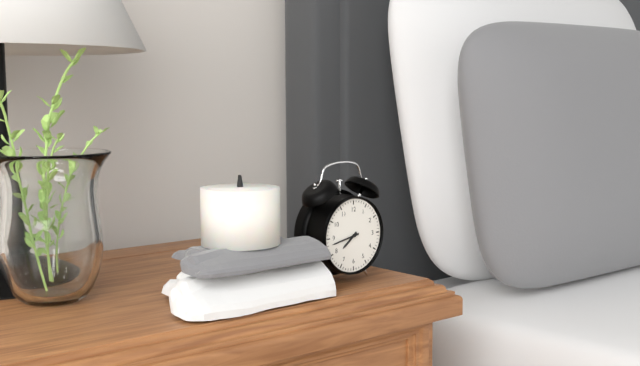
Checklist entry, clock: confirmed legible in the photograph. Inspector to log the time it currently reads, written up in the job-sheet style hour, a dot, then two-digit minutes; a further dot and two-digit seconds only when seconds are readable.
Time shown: 7.43
